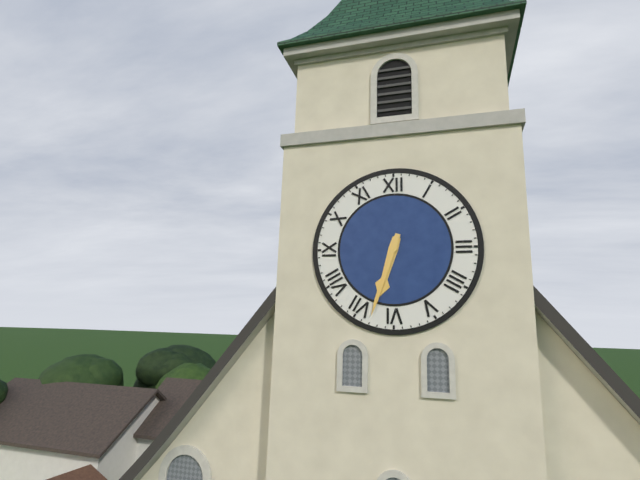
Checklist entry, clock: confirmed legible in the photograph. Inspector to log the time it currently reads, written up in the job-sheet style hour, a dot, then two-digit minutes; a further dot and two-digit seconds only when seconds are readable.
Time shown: 6.33
